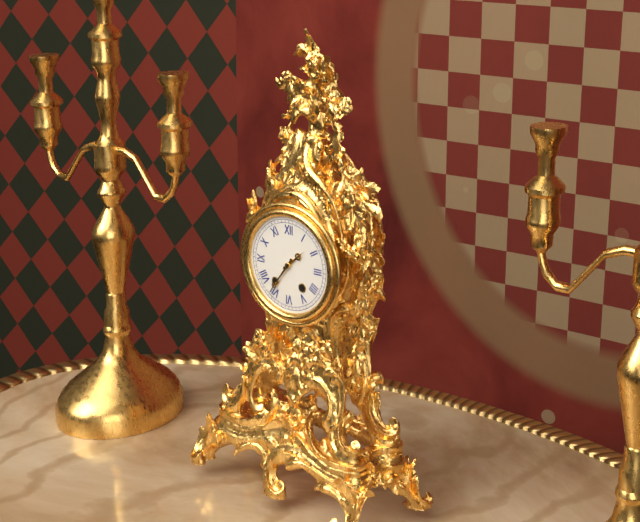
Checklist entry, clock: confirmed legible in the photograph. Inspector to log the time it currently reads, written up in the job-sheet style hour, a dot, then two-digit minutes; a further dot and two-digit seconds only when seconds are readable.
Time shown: 1.36
